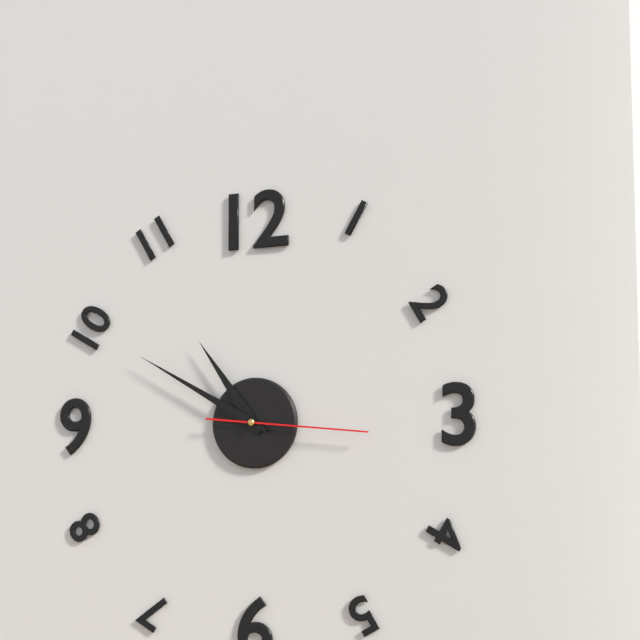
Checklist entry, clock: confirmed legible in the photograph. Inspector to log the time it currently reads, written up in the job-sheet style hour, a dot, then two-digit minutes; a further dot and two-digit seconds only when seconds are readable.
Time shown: 10.50.16
